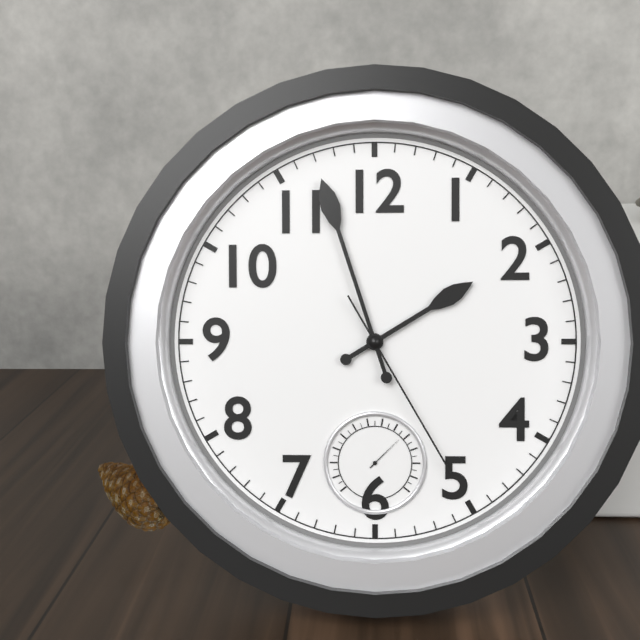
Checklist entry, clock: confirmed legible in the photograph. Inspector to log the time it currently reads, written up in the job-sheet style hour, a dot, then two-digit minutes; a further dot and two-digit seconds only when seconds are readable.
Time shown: 1.57.25
